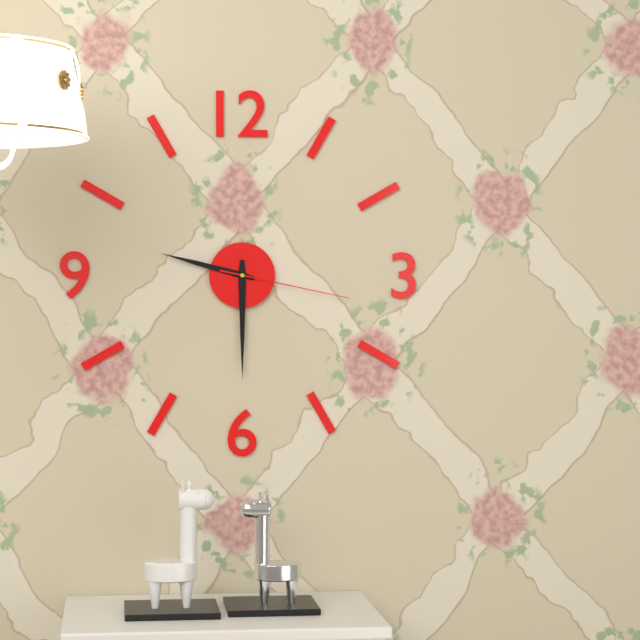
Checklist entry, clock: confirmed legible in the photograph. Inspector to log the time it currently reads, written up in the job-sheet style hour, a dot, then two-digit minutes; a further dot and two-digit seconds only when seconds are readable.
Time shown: 9.30.17
